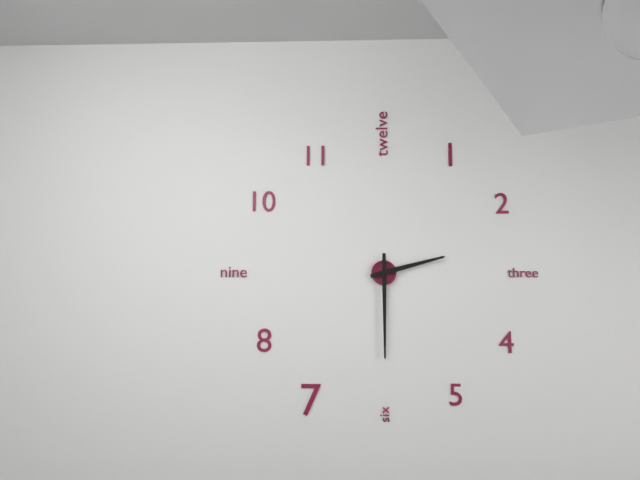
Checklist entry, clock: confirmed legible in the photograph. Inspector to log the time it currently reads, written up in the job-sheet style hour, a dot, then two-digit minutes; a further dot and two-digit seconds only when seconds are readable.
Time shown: 2.30
